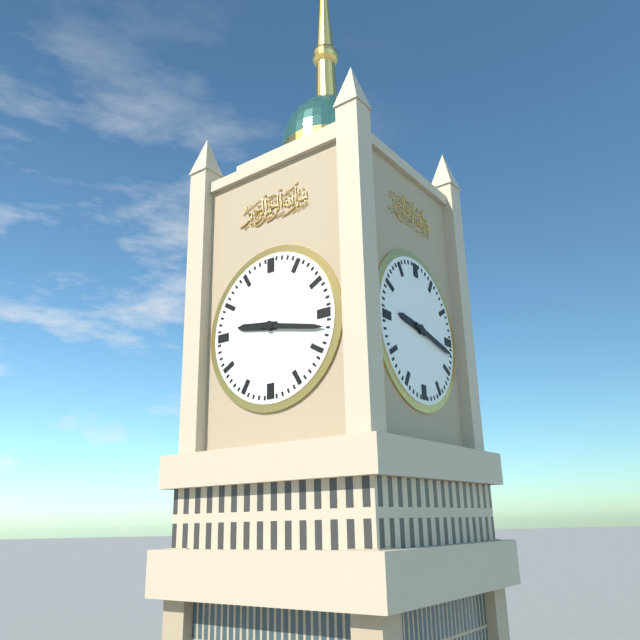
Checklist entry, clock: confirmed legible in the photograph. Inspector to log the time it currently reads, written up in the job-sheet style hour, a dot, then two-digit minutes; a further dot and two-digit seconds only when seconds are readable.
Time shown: 9.17
